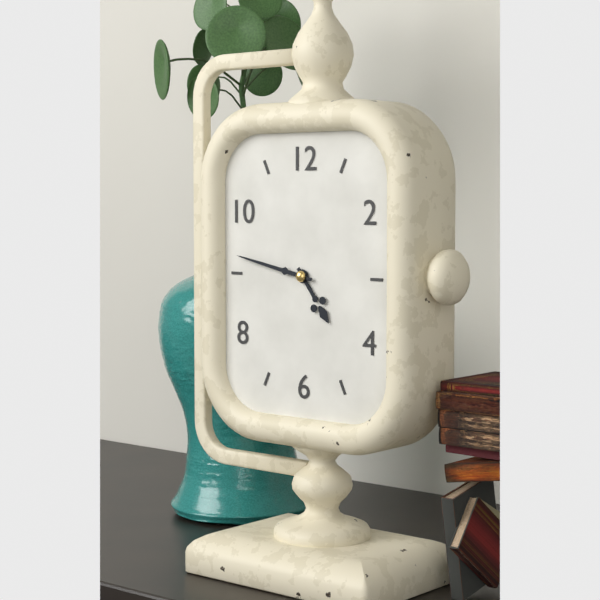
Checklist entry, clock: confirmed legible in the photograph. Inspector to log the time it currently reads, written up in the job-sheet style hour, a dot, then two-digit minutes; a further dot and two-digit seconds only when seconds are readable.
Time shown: 4.47
